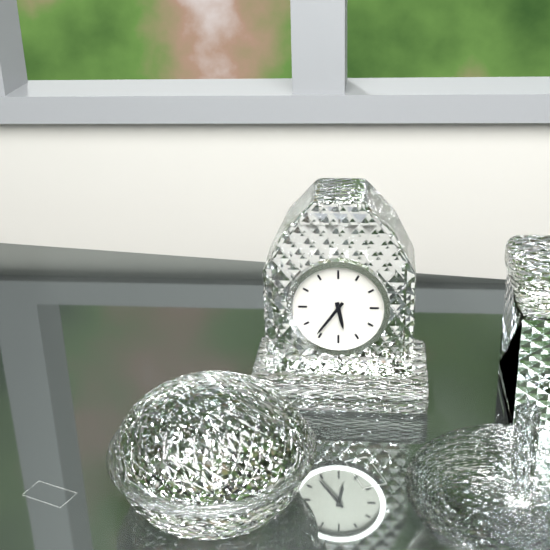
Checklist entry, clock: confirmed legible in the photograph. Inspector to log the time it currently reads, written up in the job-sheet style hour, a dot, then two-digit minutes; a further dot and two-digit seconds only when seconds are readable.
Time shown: 5.36
